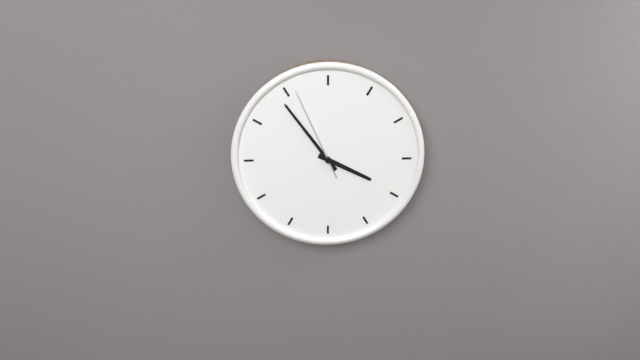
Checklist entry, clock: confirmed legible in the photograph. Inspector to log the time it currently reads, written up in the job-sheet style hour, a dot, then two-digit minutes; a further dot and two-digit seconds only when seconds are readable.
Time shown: 3.54.56
